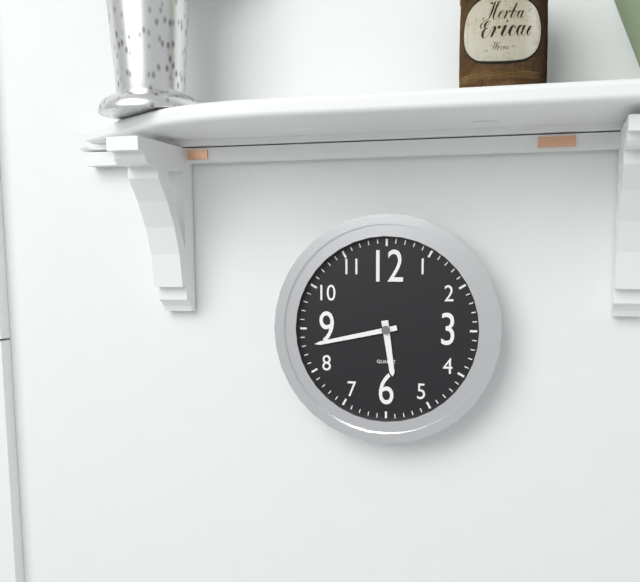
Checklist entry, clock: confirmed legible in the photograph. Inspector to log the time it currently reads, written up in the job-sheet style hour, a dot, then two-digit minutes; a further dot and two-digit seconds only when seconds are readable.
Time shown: 5.43
